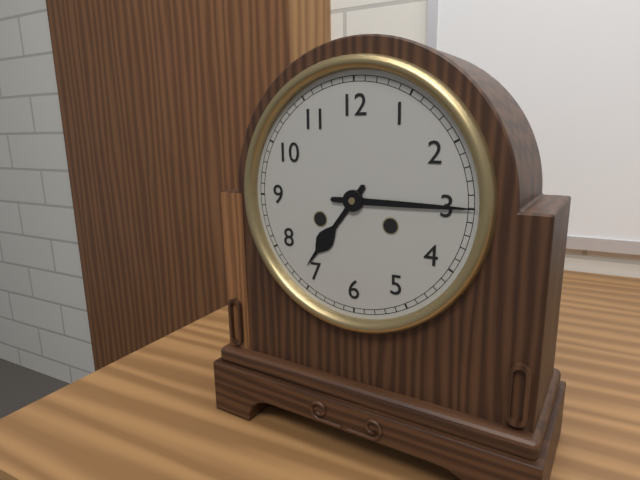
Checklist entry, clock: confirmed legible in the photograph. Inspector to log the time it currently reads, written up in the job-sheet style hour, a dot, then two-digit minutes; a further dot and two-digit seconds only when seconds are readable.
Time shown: 7.15
